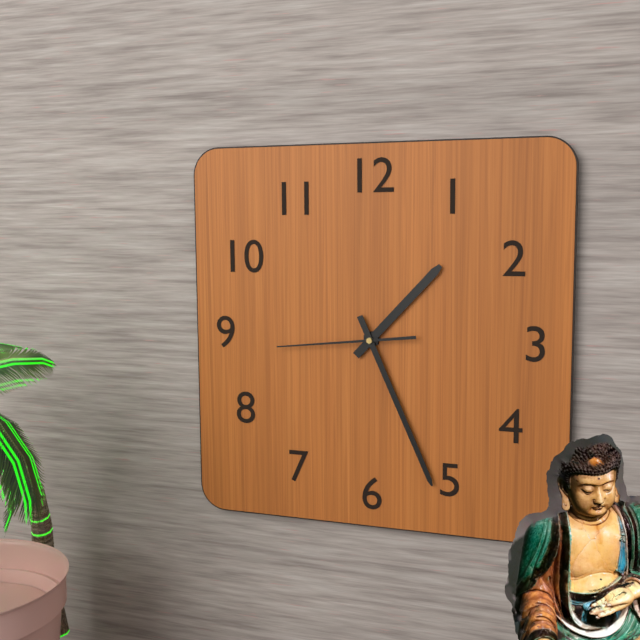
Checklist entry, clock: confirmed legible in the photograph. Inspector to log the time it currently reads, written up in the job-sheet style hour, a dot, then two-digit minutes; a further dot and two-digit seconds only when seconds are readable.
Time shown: 1.26.44
